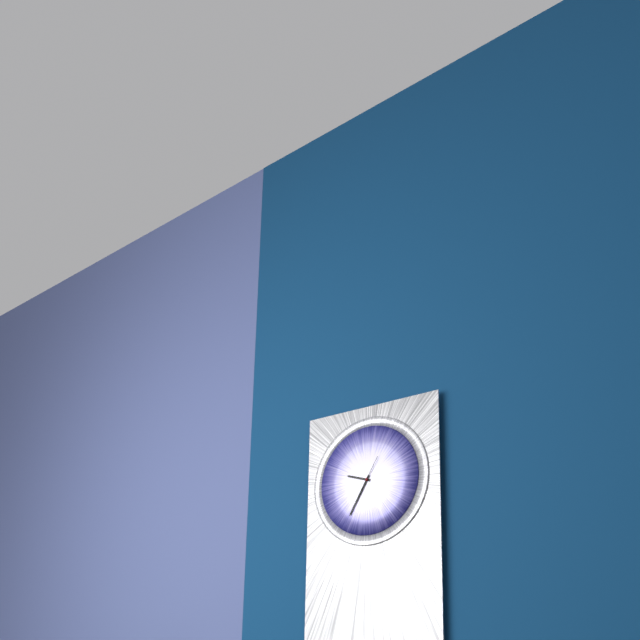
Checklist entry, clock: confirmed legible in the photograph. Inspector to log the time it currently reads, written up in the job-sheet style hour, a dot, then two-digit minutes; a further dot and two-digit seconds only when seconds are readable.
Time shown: 9.35
